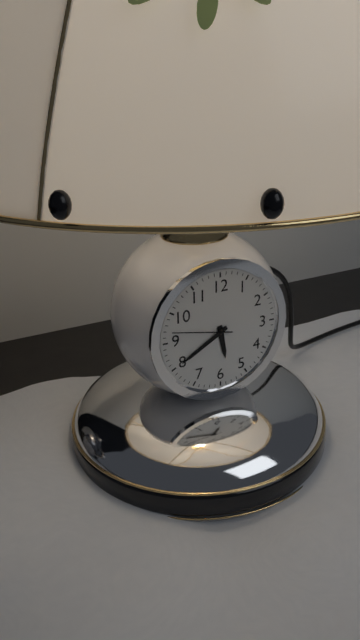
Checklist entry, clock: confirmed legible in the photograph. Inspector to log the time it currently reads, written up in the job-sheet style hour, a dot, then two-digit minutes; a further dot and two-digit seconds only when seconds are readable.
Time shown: 5.40.47
